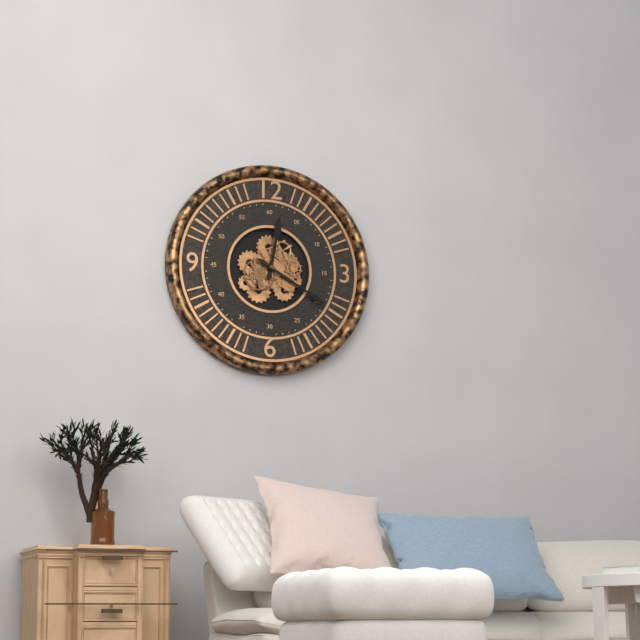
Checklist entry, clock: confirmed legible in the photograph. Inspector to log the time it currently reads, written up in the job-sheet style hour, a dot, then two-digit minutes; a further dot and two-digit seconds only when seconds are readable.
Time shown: 12.20
